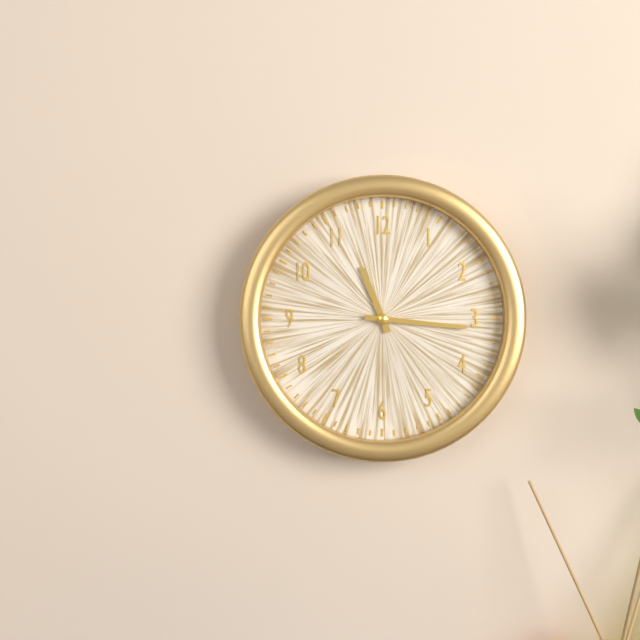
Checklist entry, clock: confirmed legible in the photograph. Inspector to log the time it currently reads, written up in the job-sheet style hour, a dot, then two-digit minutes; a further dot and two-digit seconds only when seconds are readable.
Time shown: 11.16
